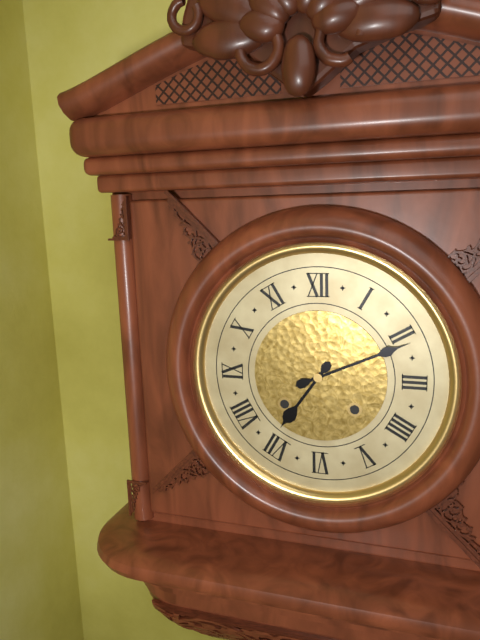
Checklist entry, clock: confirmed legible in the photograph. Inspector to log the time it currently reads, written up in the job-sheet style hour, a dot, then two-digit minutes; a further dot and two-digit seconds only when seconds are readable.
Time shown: 7.11
